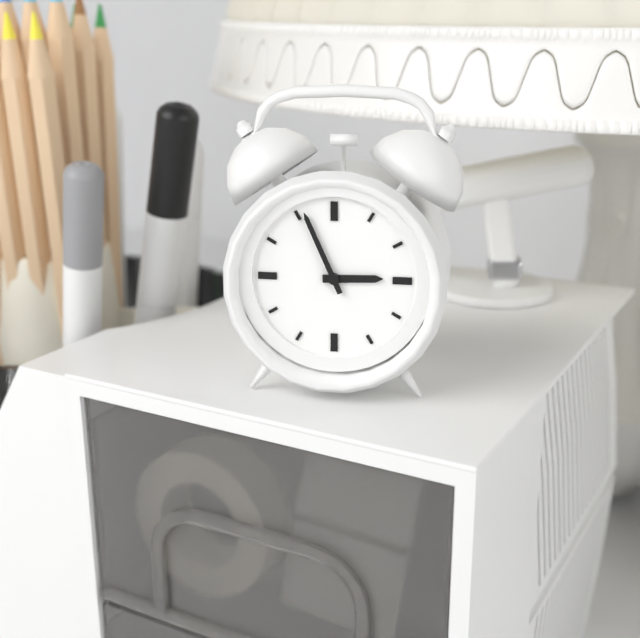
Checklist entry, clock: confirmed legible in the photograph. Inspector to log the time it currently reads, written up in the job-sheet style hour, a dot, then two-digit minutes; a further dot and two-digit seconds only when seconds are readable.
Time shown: 2.56
